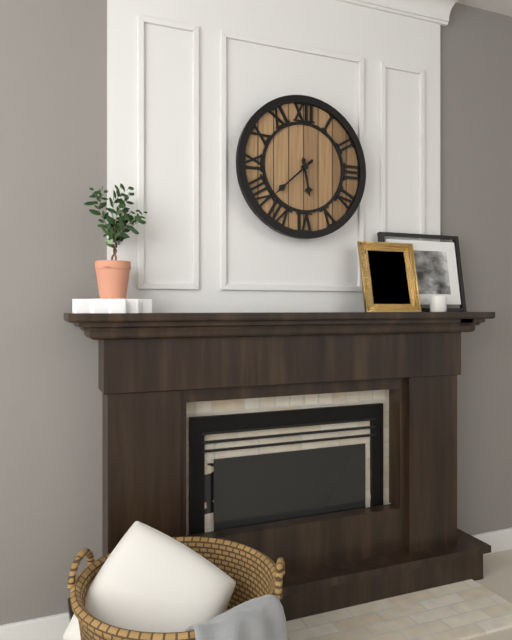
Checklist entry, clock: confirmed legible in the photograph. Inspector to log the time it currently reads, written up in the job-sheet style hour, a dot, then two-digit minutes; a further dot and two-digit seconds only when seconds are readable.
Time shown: 5.38
